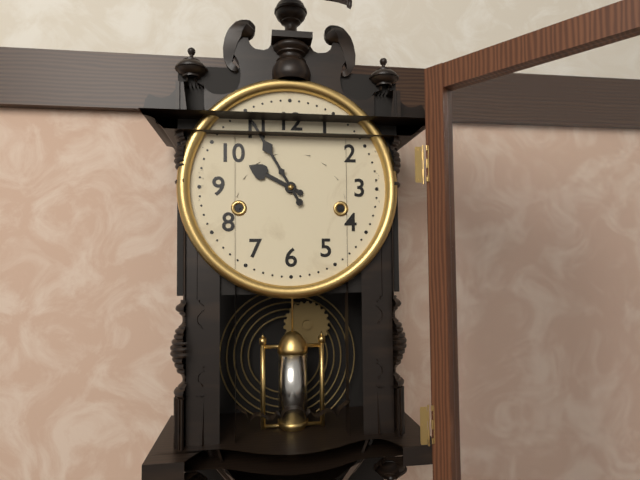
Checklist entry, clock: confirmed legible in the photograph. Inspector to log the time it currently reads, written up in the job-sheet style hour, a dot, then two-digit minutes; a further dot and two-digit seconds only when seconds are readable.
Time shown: 9.55
